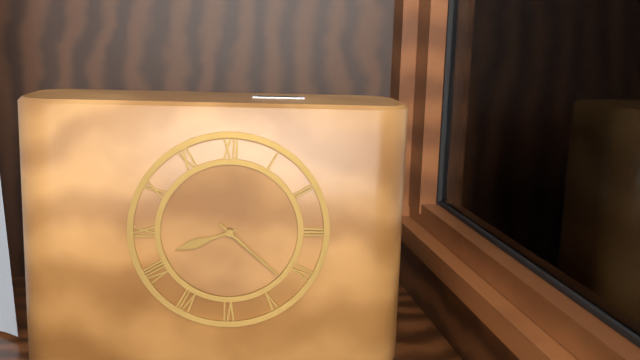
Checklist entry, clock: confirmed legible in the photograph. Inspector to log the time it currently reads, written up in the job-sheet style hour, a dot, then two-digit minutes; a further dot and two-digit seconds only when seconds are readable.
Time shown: 8.22
